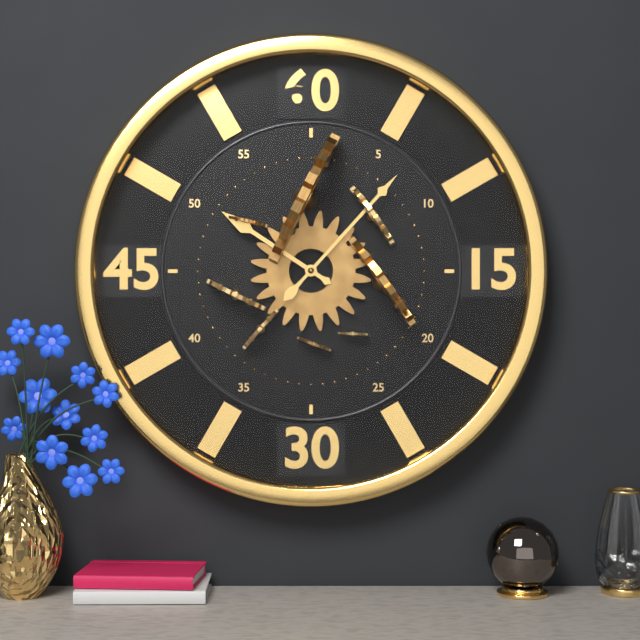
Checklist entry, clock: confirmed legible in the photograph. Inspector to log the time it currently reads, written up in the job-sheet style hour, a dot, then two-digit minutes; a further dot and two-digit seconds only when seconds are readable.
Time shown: 10.07
